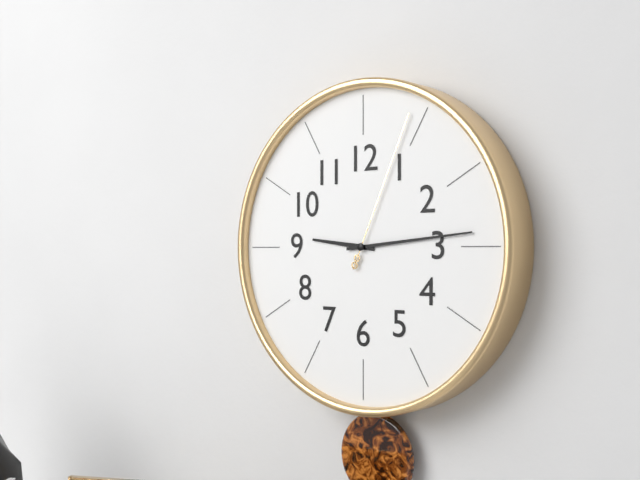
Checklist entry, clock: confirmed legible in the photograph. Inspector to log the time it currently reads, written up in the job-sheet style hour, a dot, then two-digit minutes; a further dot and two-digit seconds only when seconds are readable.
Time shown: 9.14.04
